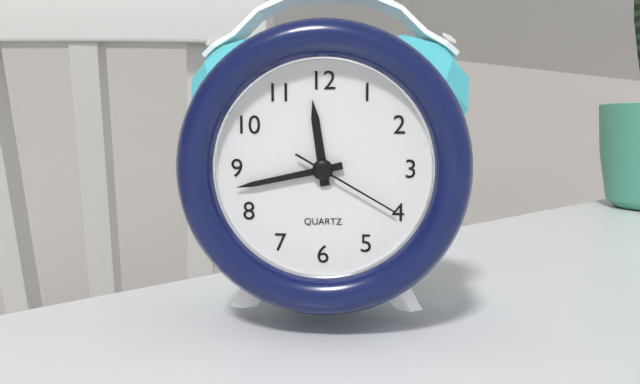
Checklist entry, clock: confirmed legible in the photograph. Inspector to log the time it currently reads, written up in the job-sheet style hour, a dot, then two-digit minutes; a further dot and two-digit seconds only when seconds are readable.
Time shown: 11.43.20
